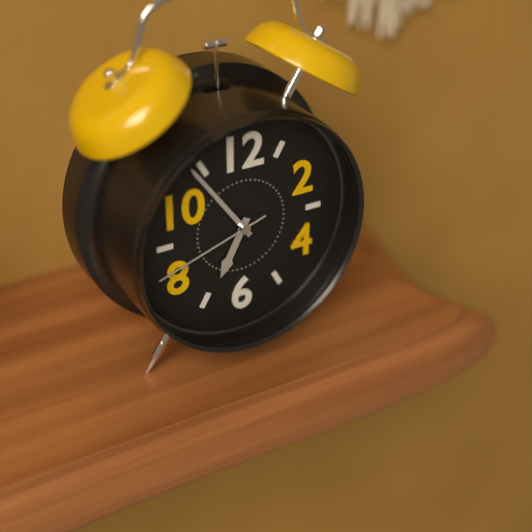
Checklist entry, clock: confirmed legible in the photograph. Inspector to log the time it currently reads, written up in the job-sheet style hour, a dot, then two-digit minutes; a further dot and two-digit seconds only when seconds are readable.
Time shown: 6.54.42
